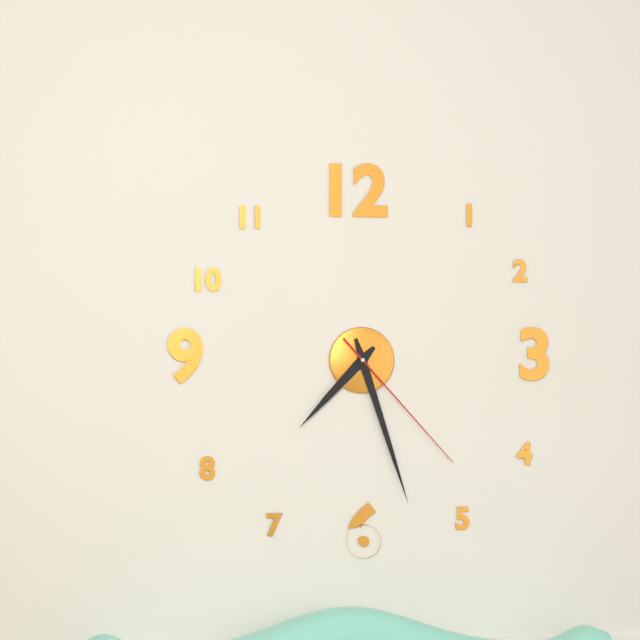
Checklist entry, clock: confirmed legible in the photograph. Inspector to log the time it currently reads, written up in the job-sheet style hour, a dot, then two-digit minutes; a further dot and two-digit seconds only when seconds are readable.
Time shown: 7.27.23
